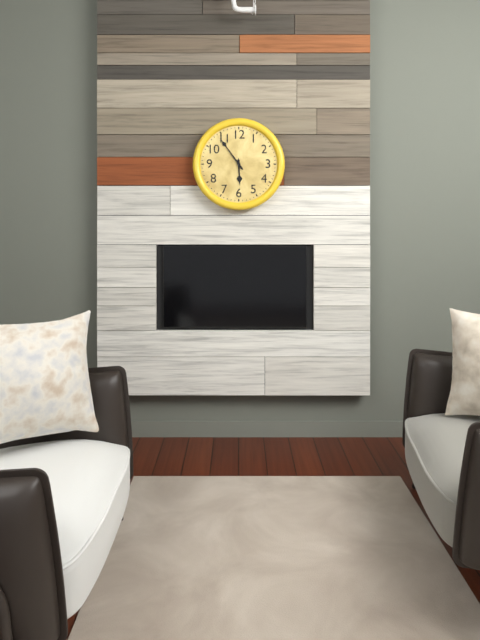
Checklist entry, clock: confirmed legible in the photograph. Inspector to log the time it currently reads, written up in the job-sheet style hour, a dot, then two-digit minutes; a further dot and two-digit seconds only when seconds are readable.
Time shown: 5.54
